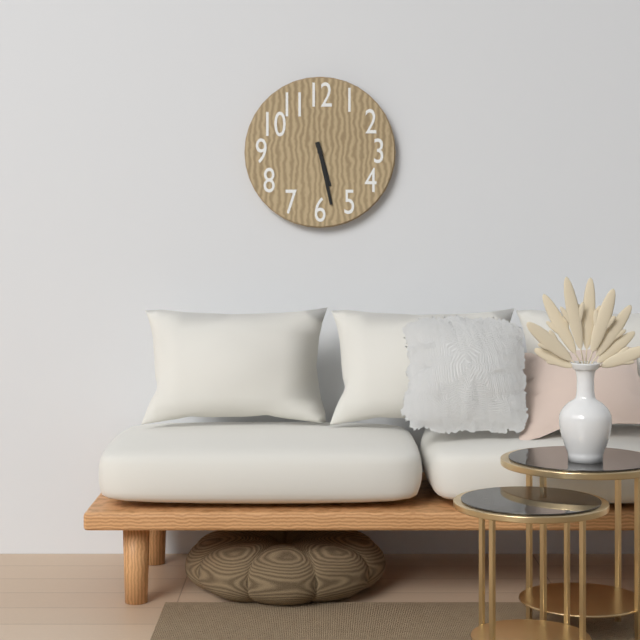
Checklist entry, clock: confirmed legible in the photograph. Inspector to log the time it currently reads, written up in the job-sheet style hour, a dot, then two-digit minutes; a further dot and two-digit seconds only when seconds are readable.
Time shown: 5.28
